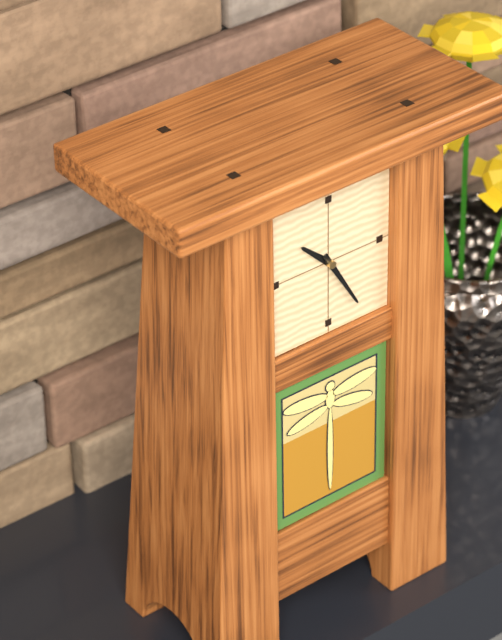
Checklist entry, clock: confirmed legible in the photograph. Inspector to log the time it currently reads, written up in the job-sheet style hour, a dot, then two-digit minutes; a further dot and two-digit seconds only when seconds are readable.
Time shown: 10.25
